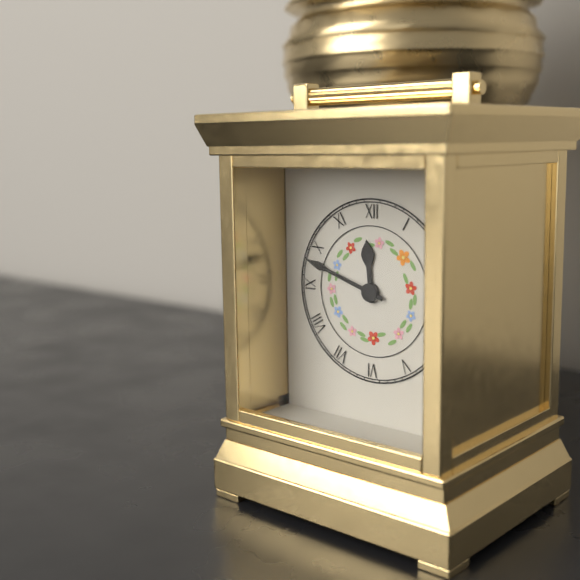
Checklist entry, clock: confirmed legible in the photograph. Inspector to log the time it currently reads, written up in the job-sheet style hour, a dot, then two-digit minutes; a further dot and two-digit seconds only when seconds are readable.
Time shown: 11.48
